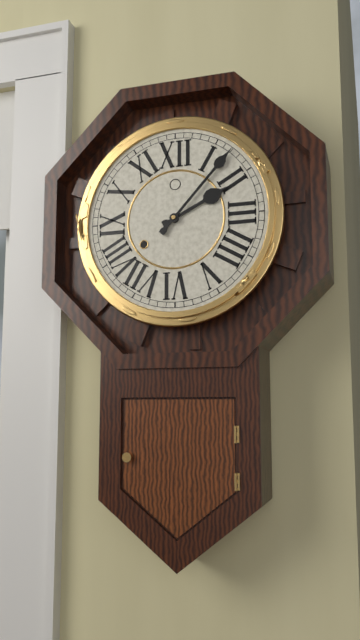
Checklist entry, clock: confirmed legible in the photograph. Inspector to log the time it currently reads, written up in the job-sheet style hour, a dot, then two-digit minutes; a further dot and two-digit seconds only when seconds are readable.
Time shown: 2.07
